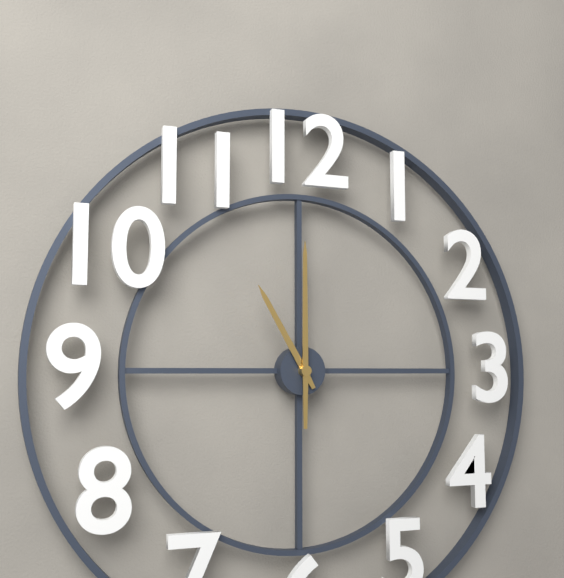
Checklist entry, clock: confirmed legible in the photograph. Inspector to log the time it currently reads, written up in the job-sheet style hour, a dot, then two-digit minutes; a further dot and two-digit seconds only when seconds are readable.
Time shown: 11.00
